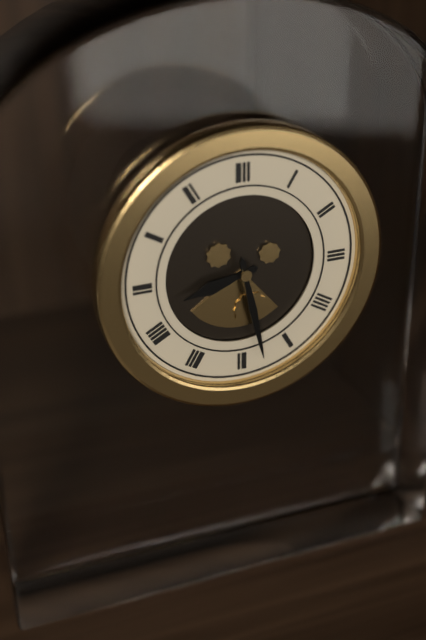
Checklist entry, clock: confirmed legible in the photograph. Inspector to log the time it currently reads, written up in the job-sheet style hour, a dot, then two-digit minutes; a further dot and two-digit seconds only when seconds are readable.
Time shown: 8.28
